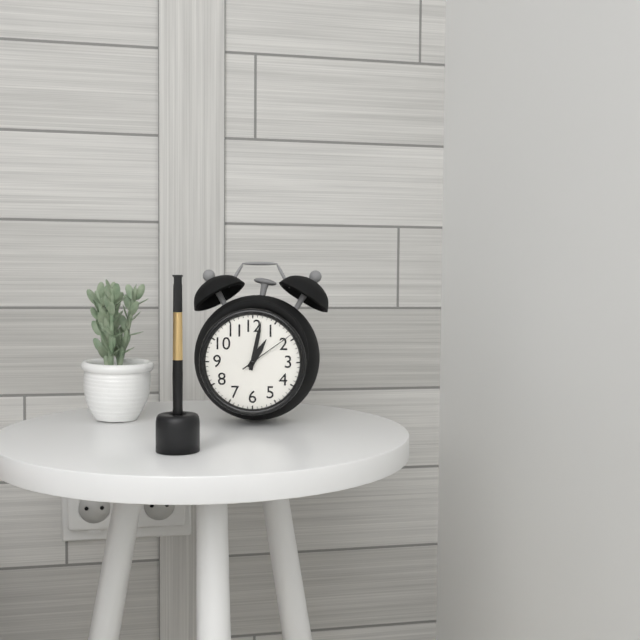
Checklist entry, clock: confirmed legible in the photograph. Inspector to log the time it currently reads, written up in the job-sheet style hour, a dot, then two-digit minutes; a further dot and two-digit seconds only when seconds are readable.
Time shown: 1.02.09
